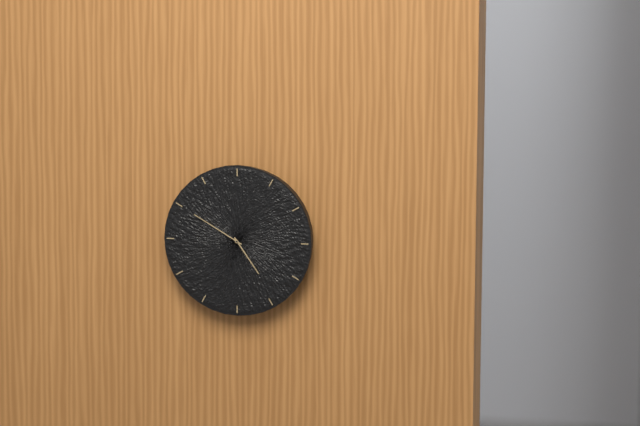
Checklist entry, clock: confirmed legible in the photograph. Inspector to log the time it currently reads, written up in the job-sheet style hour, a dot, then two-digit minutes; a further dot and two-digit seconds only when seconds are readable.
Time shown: 4.50
